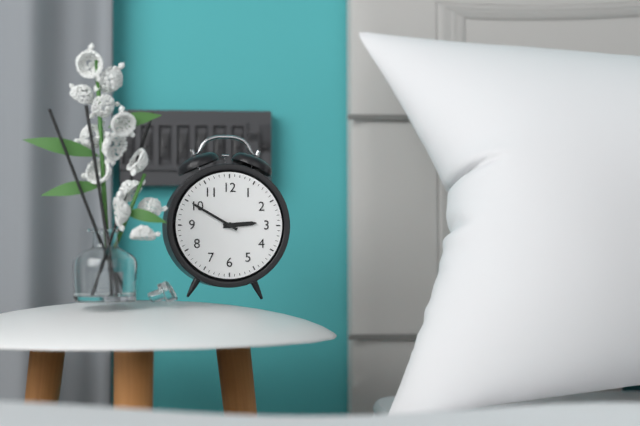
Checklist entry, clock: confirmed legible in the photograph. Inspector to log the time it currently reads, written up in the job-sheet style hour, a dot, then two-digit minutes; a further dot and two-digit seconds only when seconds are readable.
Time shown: 2.50
